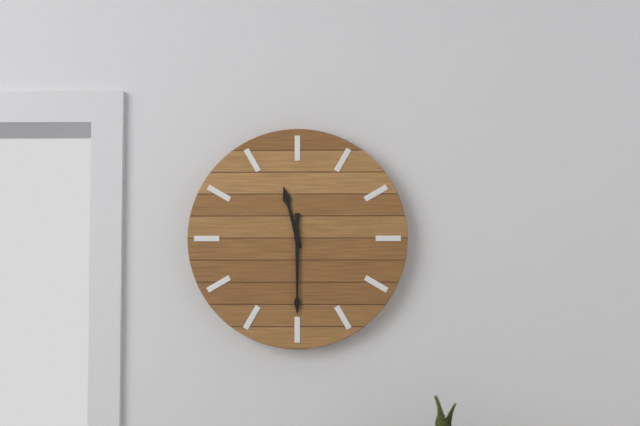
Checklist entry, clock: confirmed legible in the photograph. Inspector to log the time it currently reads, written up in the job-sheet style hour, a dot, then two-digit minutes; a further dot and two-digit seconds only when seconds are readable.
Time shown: 11.30
